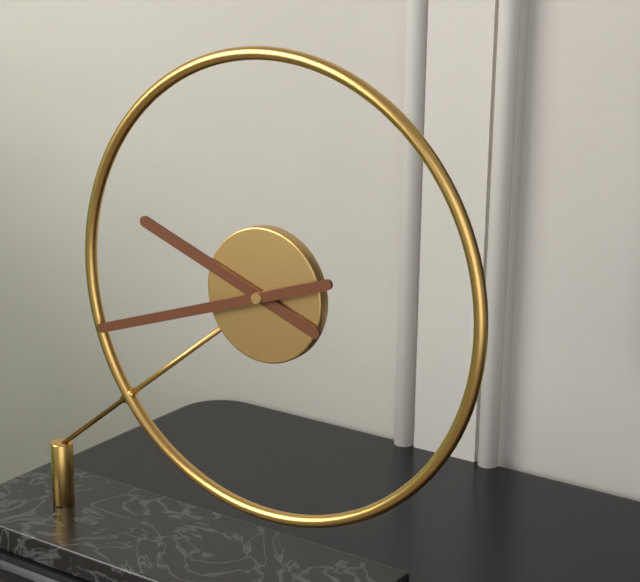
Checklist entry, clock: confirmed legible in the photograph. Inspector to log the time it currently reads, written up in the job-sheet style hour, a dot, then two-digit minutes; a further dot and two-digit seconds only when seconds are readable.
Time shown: 9.42
